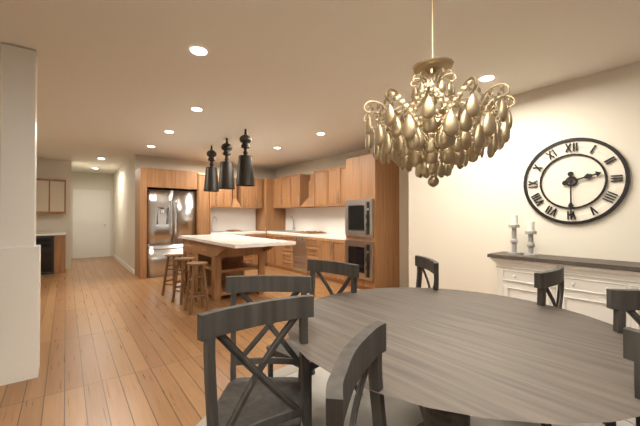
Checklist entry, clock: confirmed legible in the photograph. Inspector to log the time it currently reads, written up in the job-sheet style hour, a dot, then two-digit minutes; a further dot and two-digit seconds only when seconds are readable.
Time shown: 2.30
